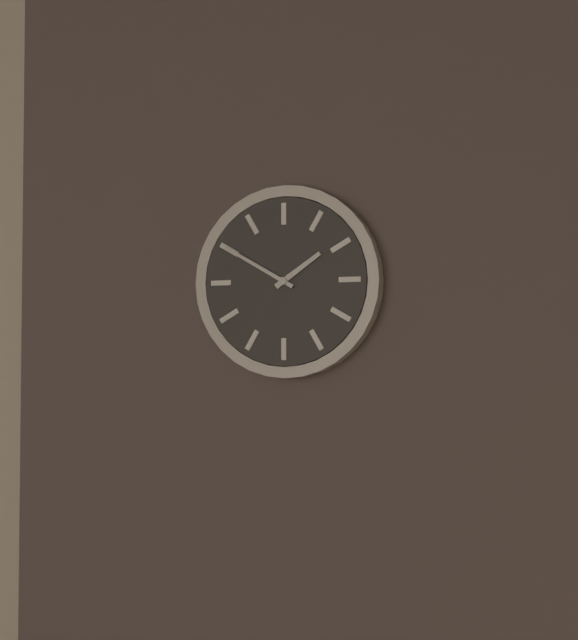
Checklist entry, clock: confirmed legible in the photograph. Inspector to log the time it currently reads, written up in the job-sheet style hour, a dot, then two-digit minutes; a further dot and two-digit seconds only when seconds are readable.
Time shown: 1.50
